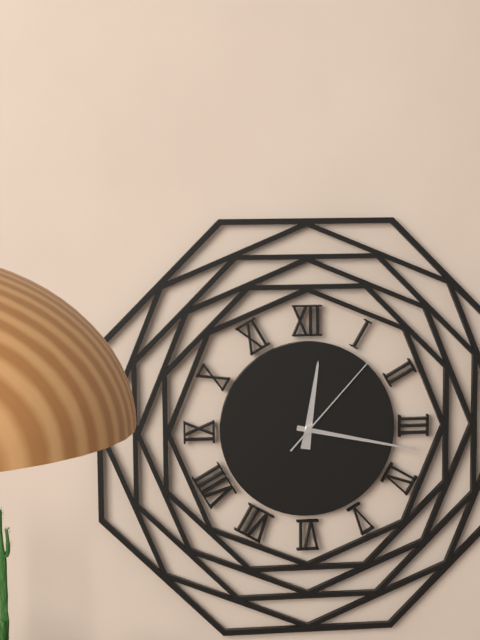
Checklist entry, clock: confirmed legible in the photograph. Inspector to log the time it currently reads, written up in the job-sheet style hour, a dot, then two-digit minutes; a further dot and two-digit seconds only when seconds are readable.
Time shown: 12.17.07
